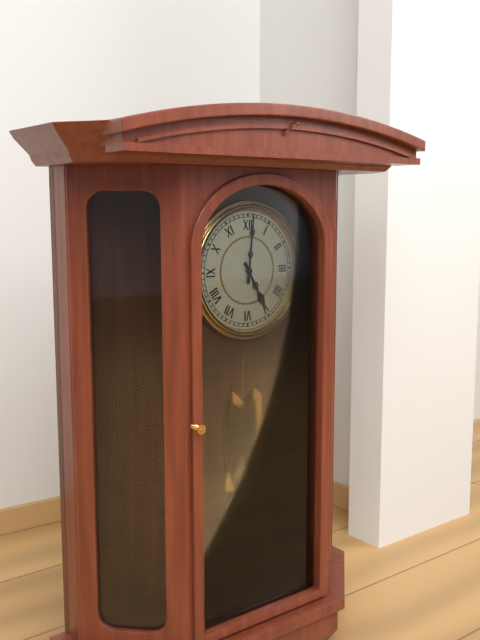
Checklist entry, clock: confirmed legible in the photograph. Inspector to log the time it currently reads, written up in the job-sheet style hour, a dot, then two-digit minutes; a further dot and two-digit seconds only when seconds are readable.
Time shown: 5.01
